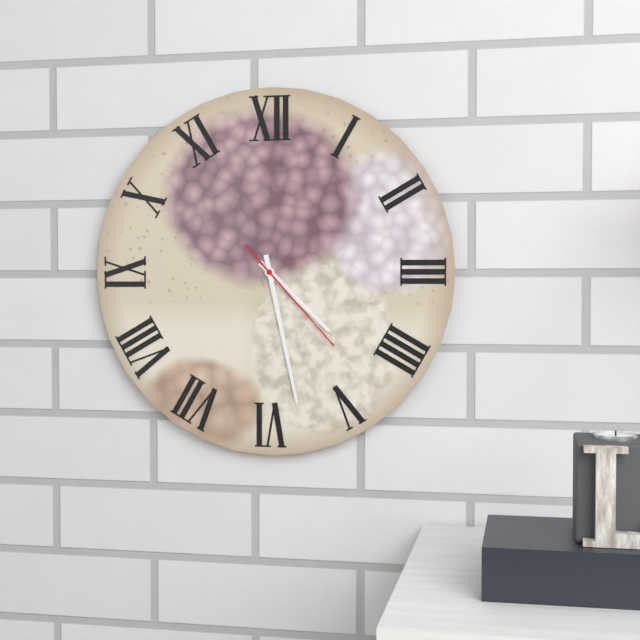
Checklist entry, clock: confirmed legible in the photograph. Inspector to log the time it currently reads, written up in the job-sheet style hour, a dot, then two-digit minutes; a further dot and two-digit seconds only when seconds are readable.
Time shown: 4.28.23
